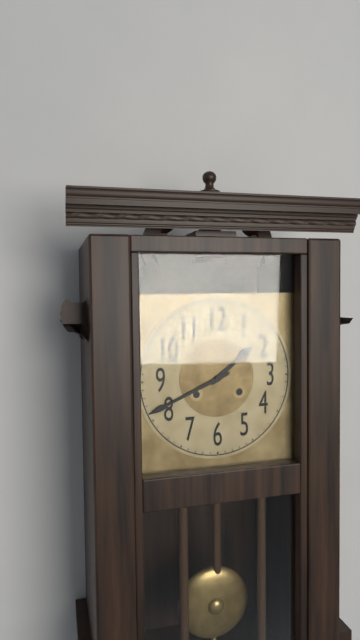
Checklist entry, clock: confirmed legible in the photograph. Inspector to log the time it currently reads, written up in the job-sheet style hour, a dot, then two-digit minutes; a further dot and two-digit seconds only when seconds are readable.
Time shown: 1.41
